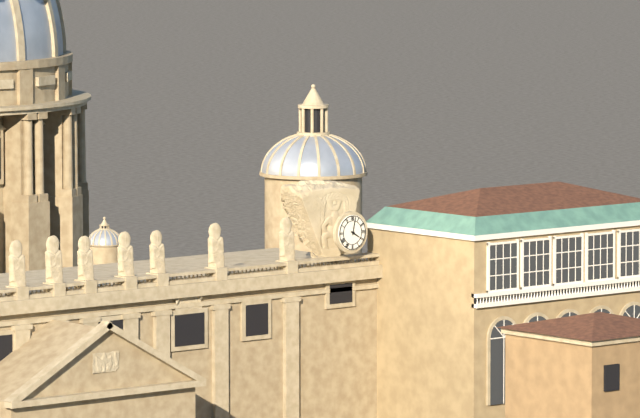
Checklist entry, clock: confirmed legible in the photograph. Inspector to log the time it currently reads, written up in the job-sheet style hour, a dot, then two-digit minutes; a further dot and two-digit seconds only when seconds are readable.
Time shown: 4.02
